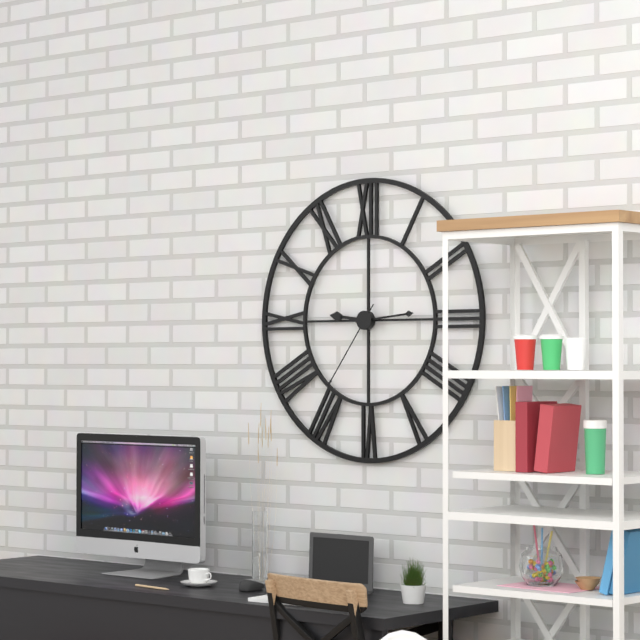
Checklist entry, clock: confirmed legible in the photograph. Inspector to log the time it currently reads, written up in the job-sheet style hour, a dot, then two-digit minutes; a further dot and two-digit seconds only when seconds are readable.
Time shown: 9.14.36
